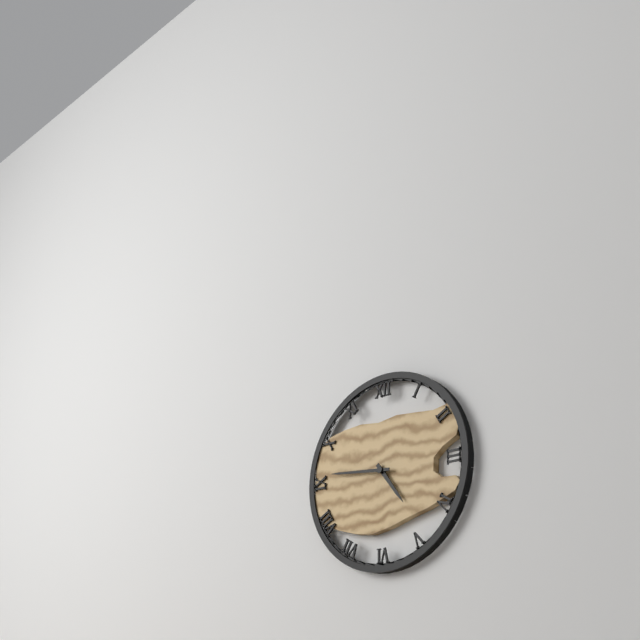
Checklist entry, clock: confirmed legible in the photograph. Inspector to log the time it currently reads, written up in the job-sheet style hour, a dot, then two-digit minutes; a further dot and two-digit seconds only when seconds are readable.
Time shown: 4.46
